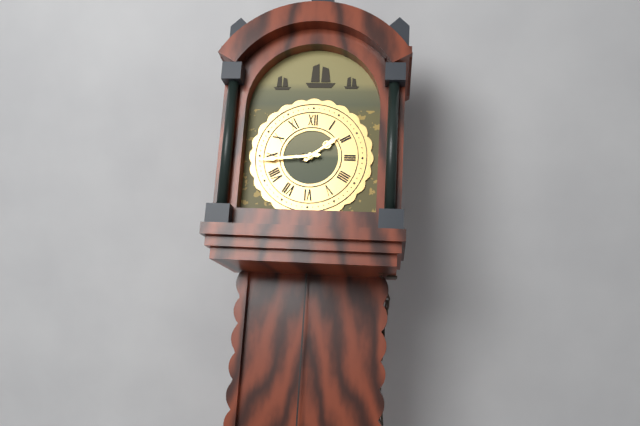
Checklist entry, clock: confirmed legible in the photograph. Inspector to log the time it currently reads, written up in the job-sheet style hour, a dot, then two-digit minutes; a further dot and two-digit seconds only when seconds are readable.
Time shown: 1.44
